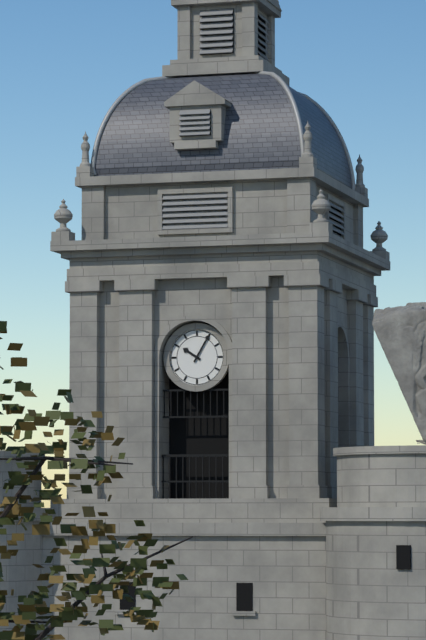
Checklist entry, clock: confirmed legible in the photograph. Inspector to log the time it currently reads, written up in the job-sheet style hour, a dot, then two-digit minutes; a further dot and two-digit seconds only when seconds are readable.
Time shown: 10.05
